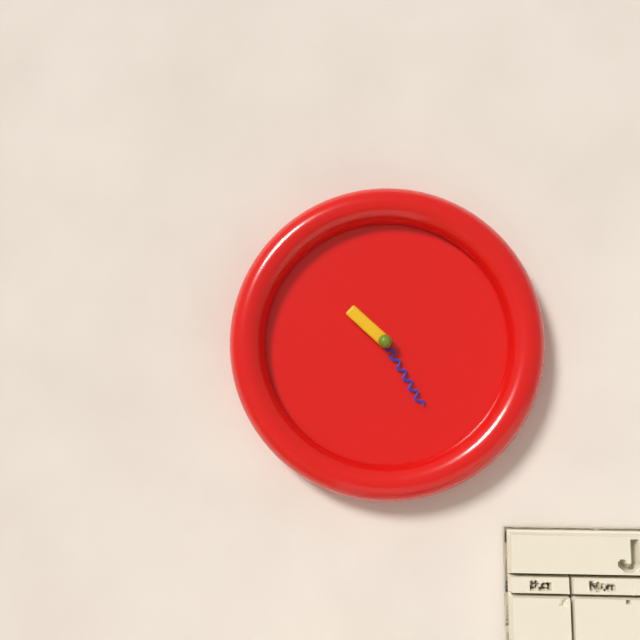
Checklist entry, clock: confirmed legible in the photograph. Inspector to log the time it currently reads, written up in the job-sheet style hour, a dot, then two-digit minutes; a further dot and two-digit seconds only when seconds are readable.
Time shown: 10.25
